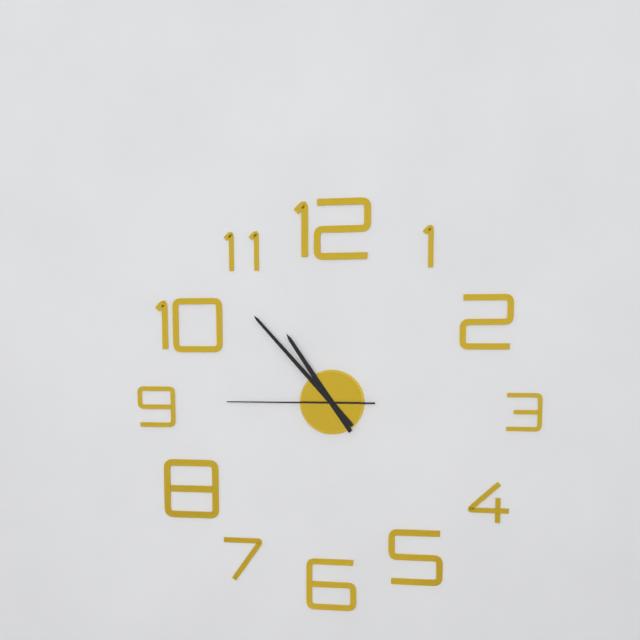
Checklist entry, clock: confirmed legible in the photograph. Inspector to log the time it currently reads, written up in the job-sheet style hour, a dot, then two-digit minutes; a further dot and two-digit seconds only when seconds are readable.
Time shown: 10.53.45
